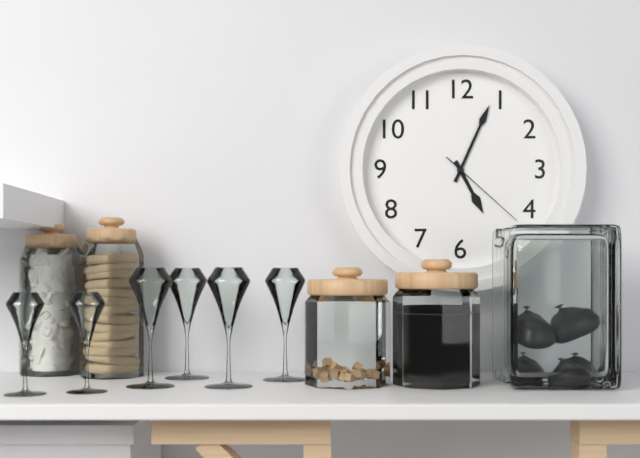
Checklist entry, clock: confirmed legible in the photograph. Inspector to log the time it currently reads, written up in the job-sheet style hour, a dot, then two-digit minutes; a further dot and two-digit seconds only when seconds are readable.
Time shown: 5.04.22
